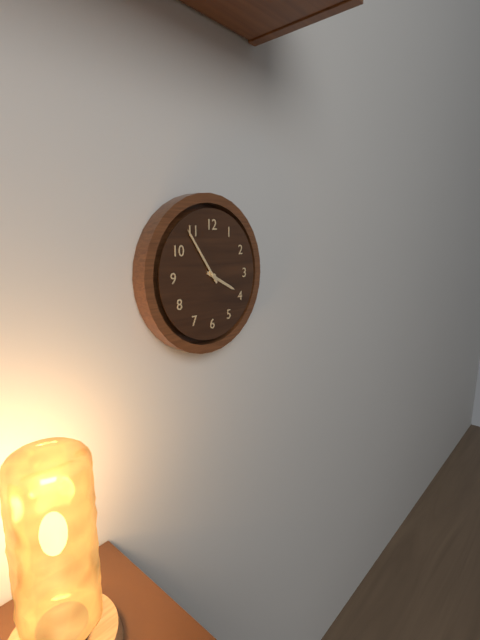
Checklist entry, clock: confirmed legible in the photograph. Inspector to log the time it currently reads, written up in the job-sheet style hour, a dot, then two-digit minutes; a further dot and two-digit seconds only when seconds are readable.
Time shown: 3.54
